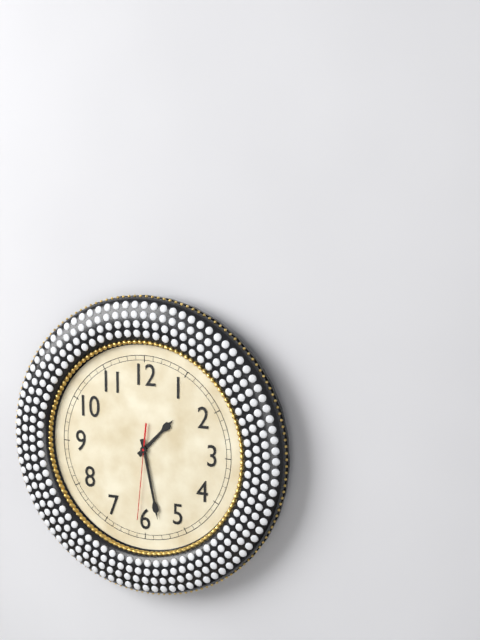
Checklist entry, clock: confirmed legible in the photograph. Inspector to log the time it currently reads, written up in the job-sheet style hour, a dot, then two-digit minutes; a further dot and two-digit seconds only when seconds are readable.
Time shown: 1.28.31
